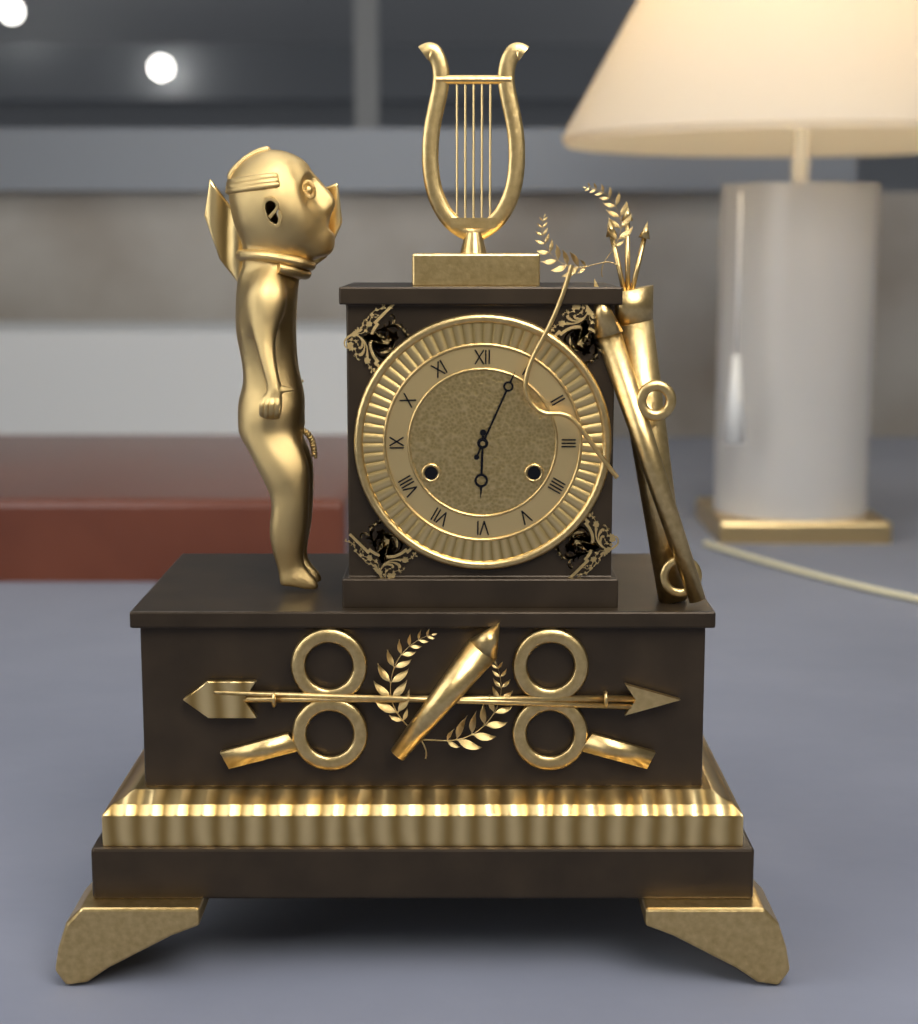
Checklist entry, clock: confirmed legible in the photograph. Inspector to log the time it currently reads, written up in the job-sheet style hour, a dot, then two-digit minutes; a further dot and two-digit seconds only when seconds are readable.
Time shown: 6.04
